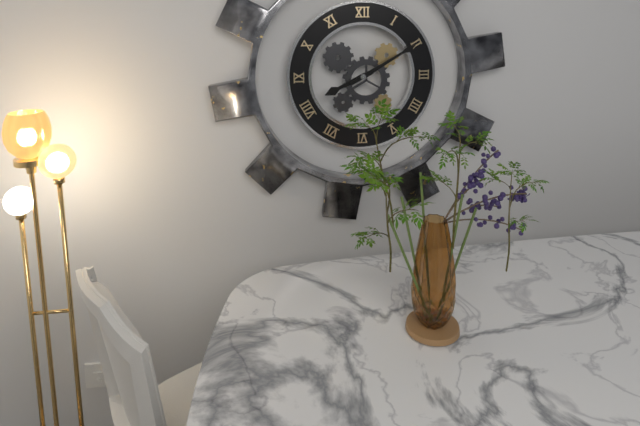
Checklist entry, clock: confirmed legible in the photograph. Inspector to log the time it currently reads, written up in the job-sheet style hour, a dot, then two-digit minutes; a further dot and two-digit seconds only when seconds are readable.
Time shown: 8.10
